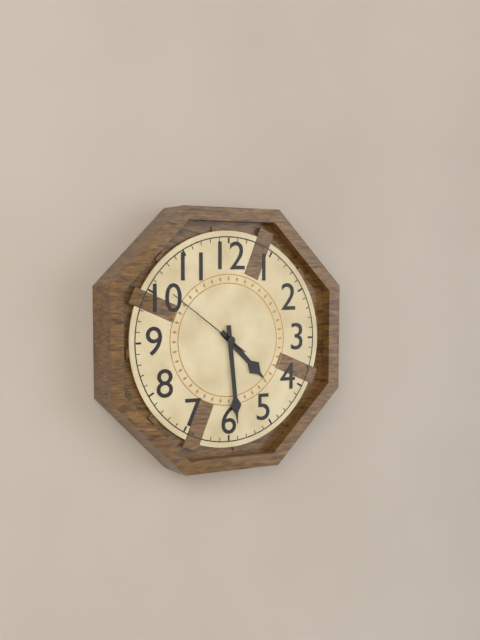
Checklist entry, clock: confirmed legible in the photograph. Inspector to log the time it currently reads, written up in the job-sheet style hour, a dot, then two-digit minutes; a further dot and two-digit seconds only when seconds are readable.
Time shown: 4.29.51
